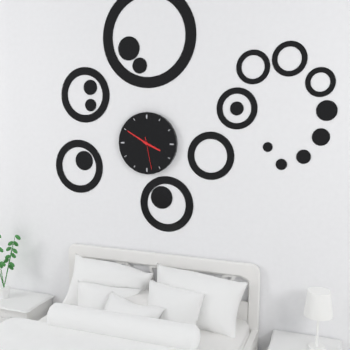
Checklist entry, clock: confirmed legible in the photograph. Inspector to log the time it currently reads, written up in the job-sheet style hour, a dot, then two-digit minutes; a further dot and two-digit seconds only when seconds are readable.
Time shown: 3.50
